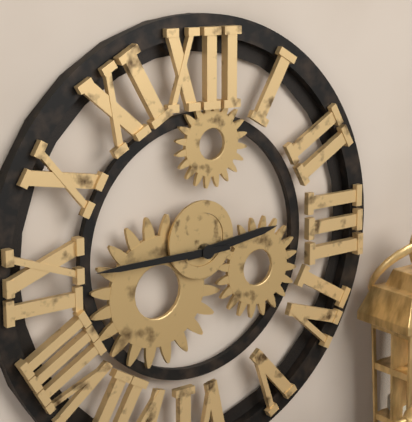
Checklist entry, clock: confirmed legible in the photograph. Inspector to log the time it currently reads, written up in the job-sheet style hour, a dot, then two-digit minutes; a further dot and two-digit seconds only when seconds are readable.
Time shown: 2.45
